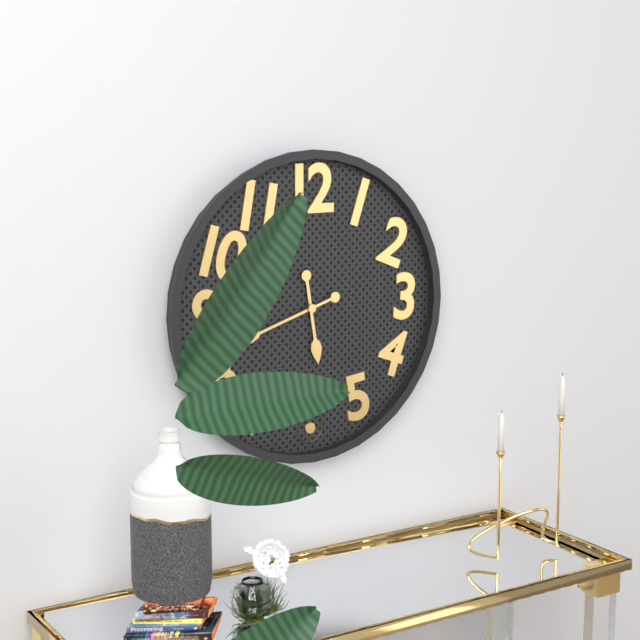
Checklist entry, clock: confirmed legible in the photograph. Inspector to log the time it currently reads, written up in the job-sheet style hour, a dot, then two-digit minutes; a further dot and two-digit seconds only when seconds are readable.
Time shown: 5.42
